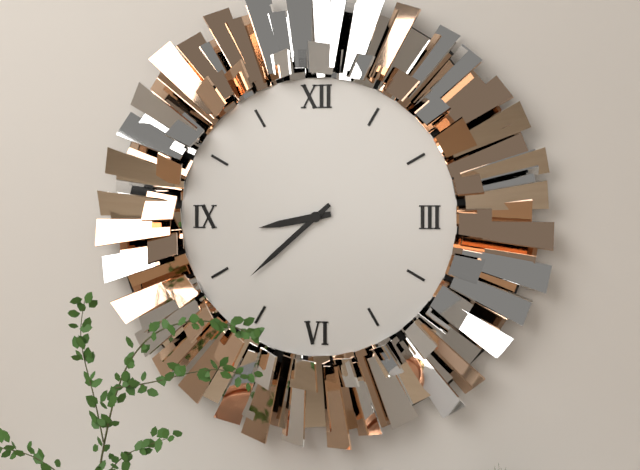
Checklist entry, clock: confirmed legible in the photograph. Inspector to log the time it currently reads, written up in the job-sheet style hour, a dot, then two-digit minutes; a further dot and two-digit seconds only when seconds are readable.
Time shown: 8.38
